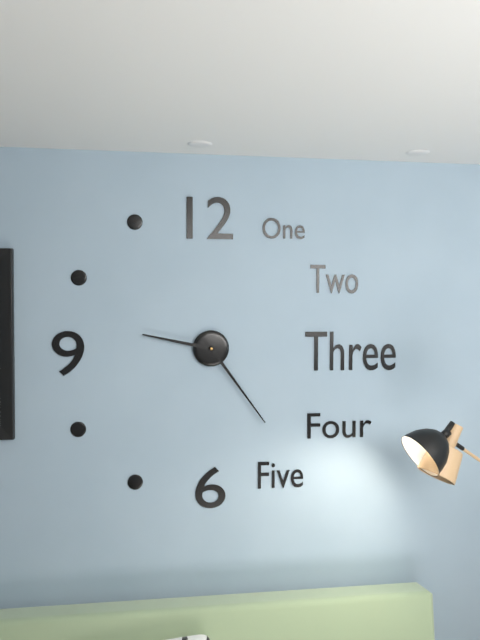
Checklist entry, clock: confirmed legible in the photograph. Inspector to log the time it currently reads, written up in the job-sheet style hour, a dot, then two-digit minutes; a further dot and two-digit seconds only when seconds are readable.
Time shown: 9.24
